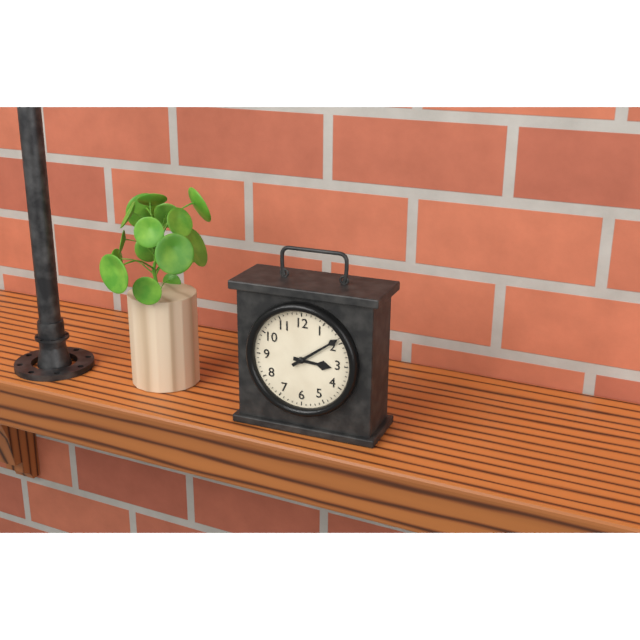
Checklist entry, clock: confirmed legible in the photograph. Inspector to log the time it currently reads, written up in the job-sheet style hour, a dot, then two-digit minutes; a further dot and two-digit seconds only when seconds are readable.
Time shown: 3.09
